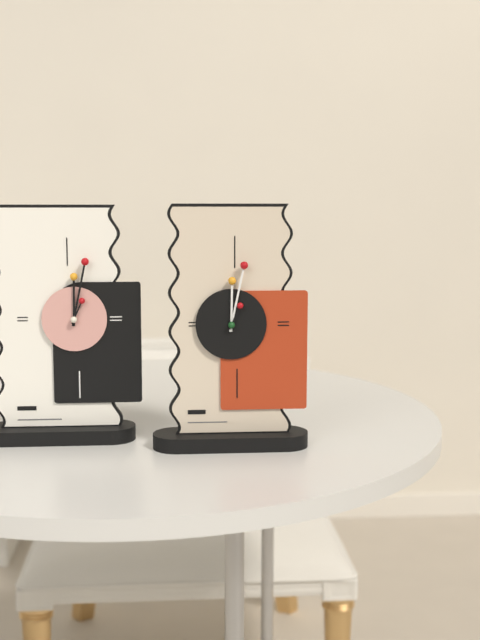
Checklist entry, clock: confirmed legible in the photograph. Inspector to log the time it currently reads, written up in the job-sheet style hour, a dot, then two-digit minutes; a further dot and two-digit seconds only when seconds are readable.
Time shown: 12.02
